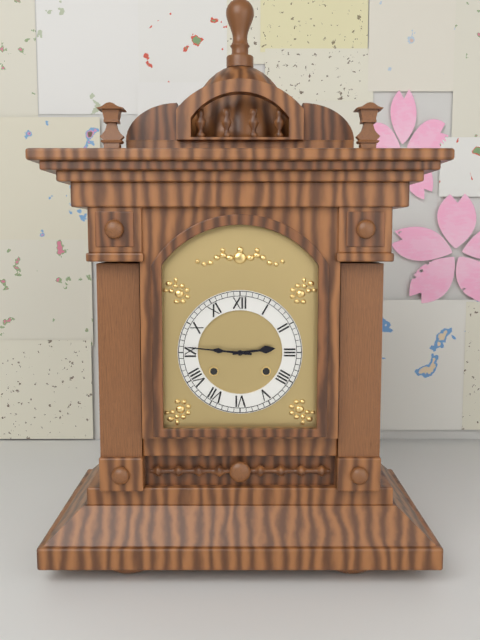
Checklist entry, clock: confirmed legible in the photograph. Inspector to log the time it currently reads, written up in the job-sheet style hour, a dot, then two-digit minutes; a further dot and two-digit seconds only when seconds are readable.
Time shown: 2.46
